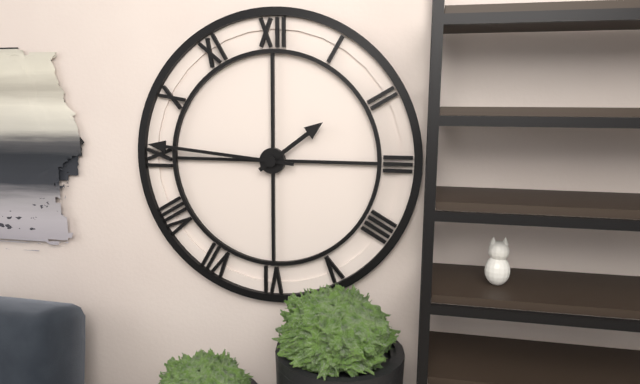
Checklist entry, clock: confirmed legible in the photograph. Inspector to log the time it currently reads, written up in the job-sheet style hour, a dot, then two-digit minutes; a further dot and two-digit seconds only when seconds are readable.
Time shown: 1.46
